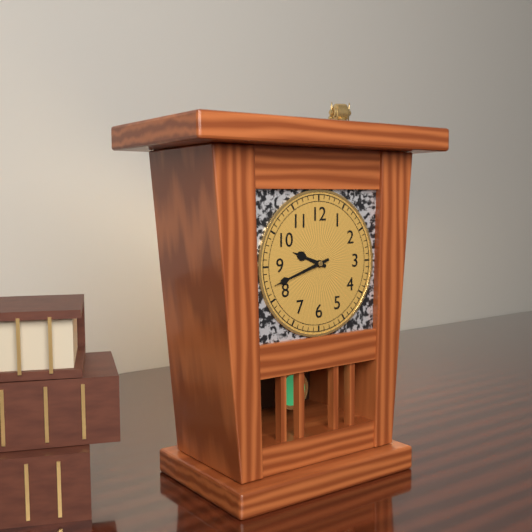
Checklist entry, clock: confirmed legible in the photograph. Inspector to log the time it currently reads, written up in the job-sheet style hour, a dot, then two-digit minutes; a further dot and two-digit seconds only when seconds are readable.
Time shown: 9.42
